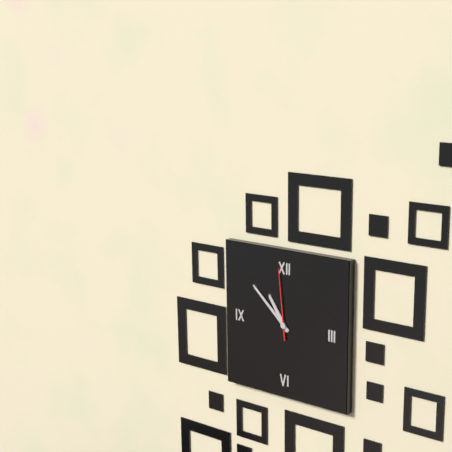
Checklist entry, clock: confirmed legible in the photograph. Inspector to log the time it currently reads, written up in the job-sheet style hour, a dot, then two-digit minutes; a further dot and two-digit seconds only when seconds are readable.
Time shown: 10.52.59
